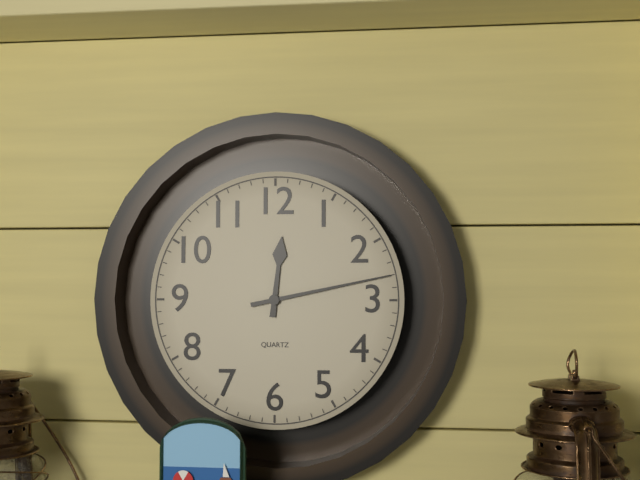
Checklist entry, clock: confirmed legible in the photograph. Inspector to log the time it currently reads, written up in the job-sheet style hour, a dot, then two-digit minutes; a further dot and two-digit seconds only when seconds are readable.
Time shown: 12.13
